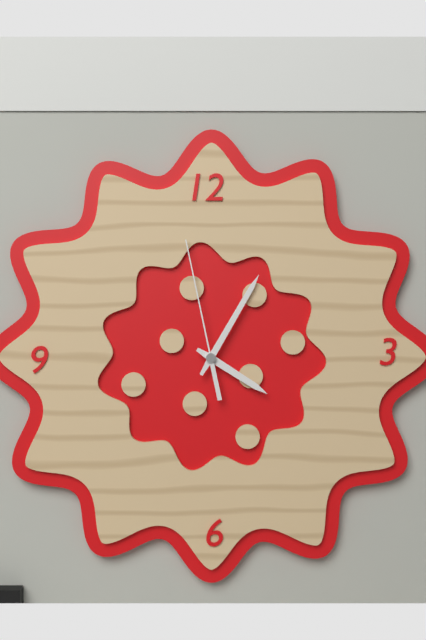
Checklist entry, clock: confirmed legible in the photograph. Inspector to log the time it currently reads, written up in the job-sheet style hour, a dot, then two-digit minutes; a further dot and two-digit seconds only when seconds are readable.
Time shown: 4.05.58
